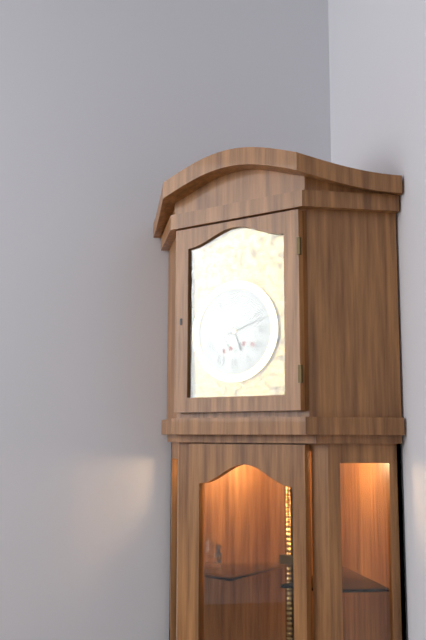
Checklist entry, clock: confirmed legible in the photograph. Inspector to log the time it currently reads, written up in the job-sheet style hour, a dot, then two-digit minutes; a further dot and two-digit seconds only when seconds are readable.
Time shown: 5.12
